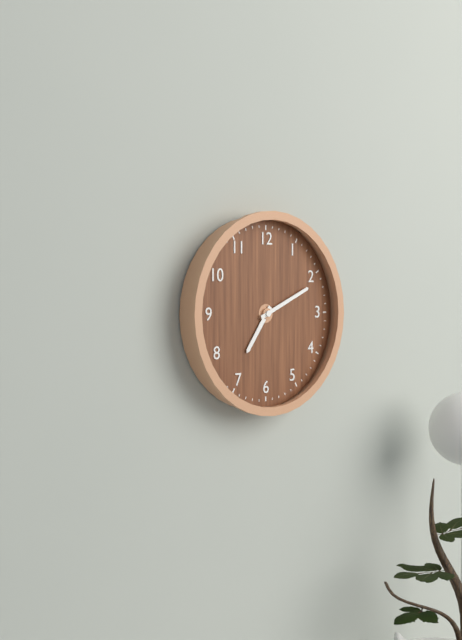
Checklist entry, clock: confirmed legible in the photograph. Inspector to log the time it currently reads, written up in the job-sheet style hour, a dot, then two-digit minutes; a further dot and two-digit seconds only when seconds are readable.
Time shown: 7.11
